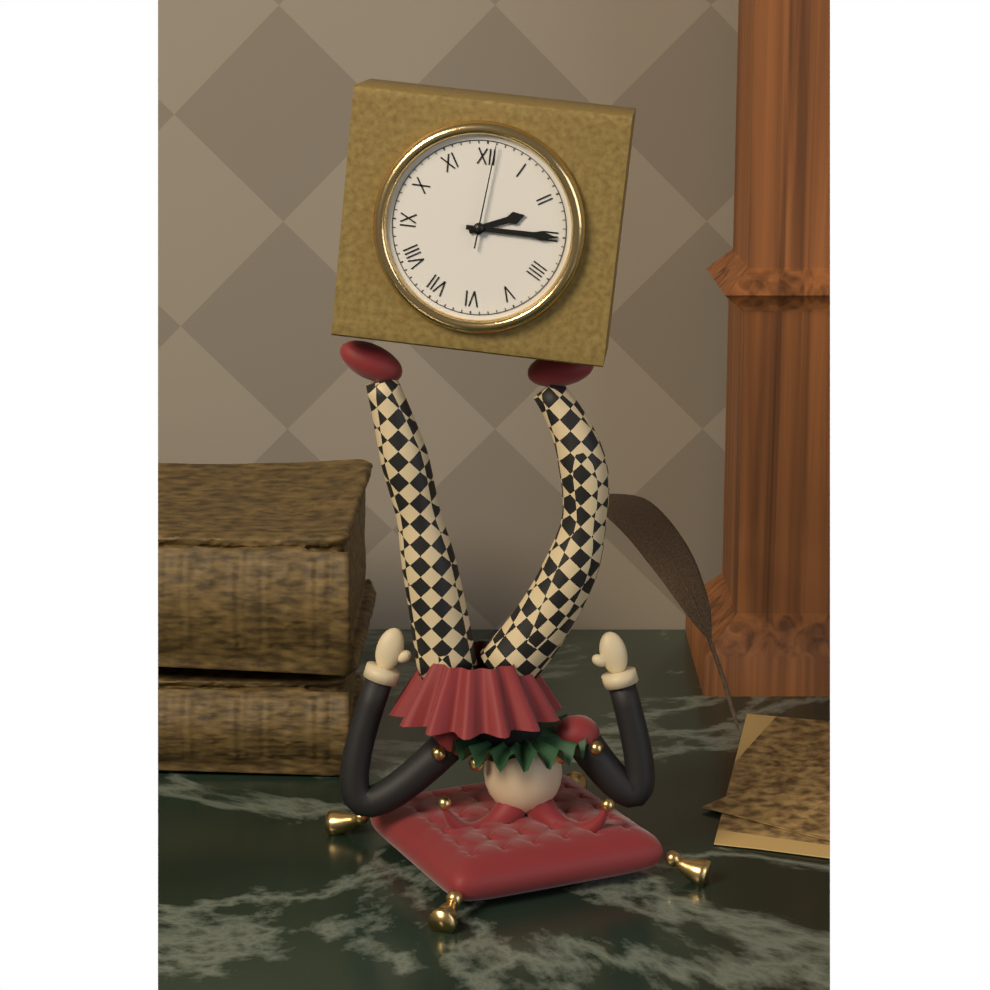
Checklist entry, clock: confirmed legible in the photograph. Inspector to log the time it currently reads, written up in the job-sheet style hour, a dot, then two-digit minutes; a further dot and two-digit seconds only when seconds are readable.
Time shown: 2.15.01
